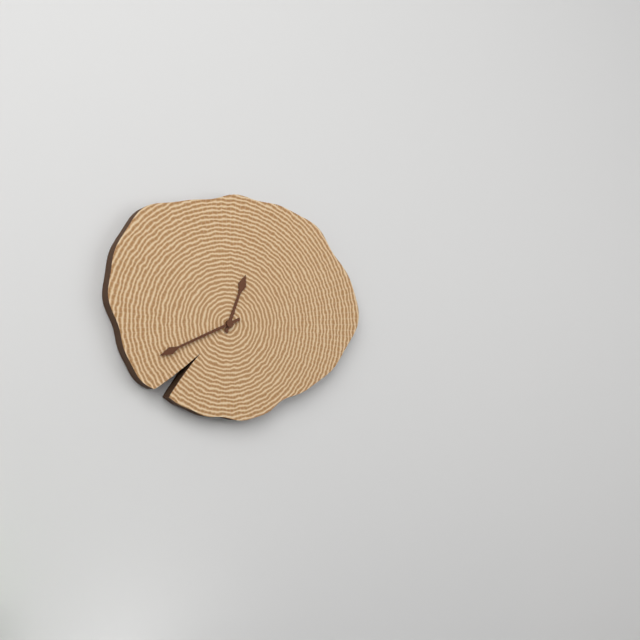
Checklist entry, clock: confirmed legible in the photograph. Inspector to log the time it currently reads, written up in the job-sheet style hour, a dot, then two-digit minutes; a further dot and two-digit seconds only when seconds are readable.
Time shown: 12.41
